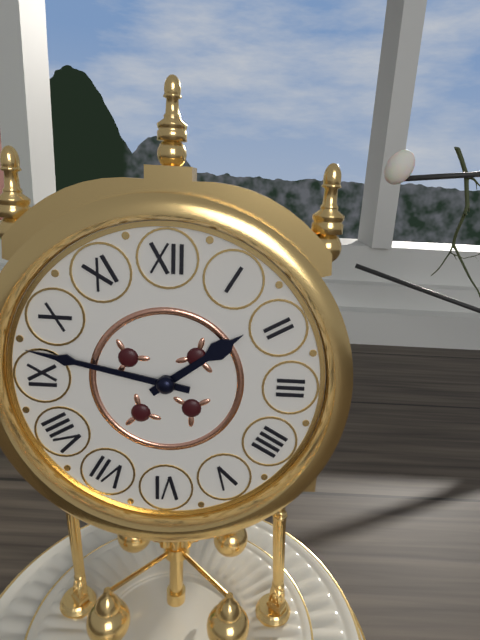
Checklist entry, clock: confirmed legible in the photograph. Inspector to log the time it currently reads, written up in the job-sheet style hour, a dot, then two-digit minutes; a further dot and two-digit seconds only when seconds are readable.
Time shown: 1.47
